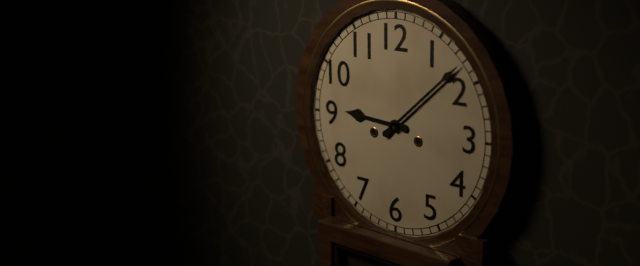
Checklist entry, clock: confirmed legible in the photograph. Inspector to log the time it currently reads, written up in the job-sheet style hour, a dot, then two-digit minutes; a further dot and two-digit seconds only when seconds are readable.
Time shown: 9.08
